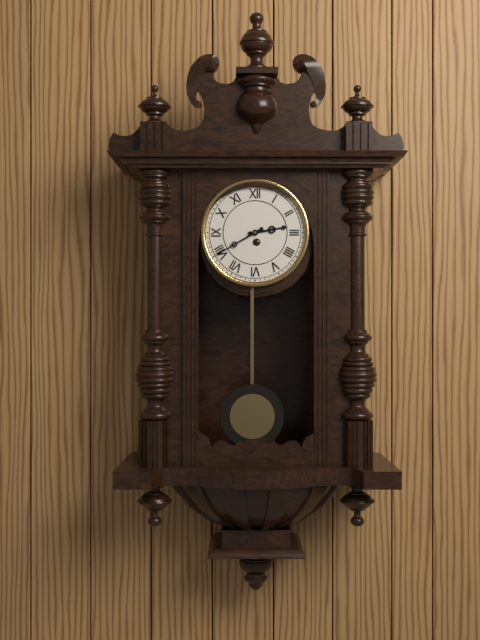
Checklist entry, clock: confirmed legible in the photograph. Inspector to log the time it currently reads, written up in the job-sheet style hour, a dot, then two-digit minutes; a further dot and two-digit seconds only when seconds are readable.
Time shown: 2.40
